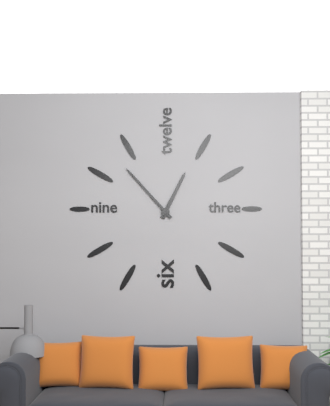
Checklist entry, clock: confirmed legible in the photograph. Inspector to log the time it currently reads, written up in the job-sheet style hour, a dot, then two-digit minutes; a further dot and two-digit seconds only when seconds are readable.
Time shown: 12.53
